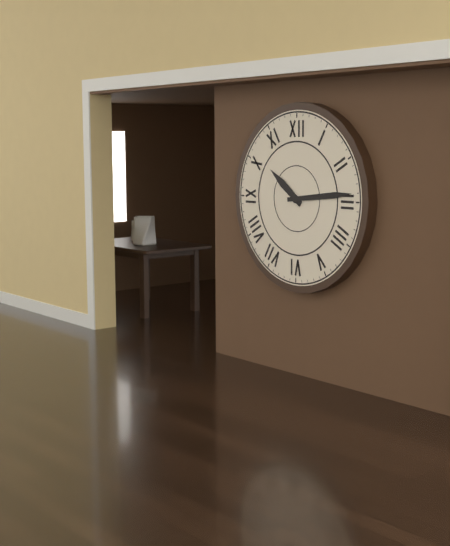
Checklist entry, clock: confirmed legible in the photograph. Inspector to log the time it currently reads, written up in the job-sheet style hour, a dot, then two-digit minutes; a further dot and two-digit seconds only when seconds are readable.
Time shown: 10.14
